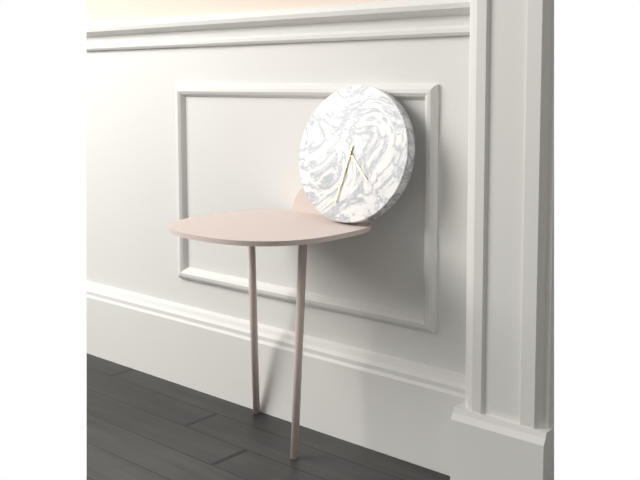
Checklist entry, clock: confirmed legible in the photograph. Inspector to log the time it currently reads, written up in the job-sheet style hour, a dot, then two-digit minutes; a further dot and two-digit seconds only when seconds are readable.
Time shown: 4.32
